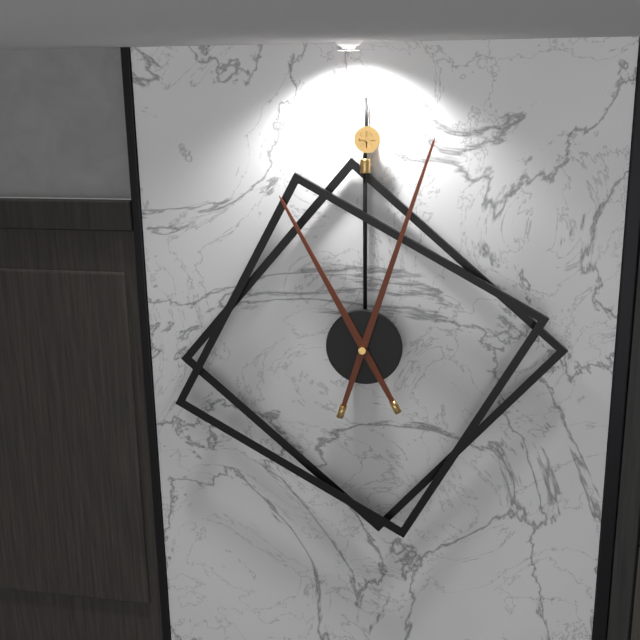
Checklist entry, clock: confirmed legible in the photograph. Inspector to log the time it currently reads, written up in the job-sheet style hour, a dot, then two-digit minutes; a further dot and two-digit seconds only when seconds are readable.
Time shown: 11.03
